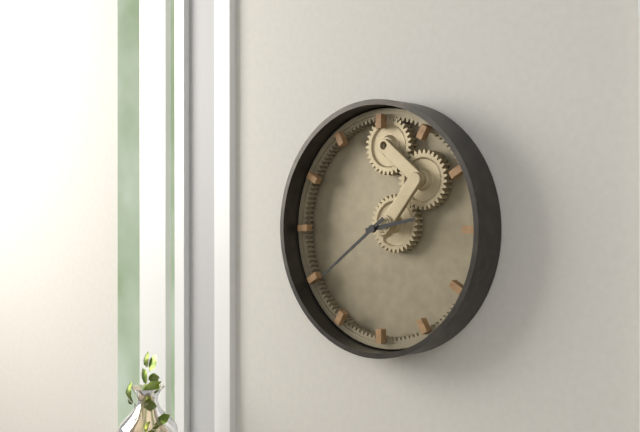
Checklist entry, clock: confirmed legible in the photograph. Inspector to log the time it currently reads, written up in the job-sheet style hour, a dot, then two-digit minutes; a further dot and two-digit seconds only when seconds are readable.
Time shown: 2.39
